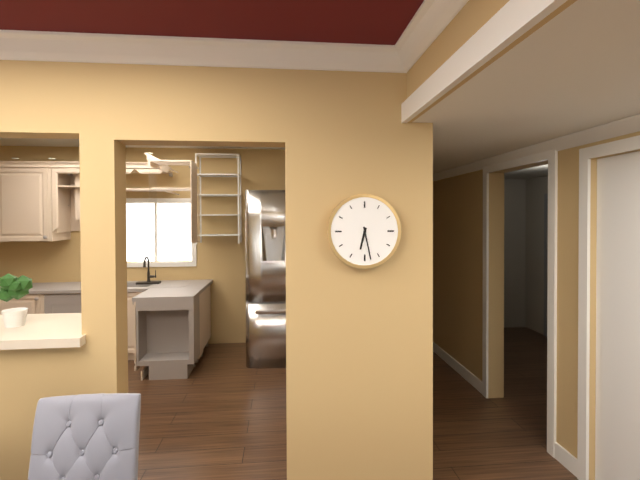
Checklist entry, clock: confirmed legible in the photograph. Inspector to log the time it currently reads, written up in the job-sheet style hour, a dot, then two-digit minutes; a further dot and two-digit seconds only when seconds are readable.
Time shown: 6.28
